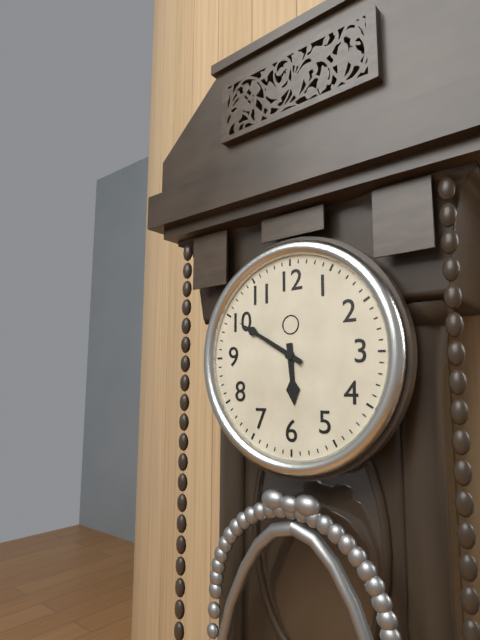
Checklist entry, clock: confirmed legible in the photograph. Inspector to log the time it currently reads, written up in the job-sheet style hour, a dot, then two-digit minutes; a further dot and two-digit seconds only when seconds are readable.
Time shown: 5.50
